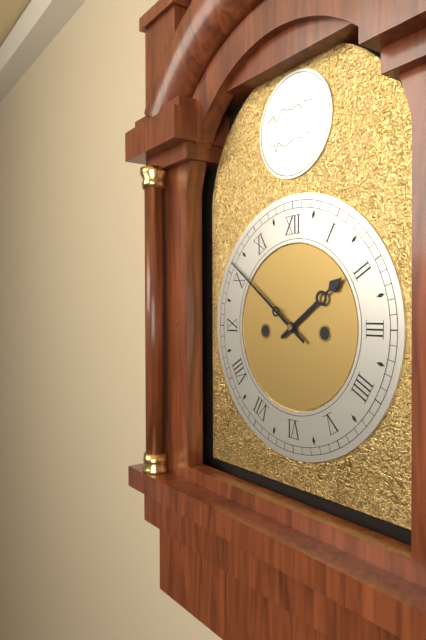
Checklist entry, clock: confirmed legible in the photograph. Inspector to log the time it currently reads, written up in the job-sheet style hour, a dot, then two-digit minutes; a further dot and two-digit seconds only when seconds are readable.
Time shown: 1.51
